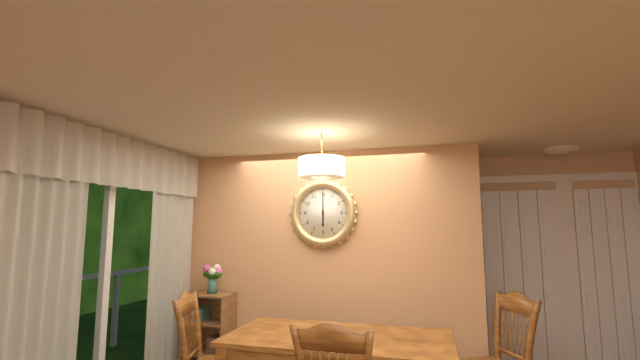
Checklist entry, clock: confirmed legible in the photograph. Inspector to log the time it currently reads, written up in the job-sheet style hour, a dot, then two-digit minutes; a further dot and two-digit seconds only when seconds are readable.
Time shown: 6.00
